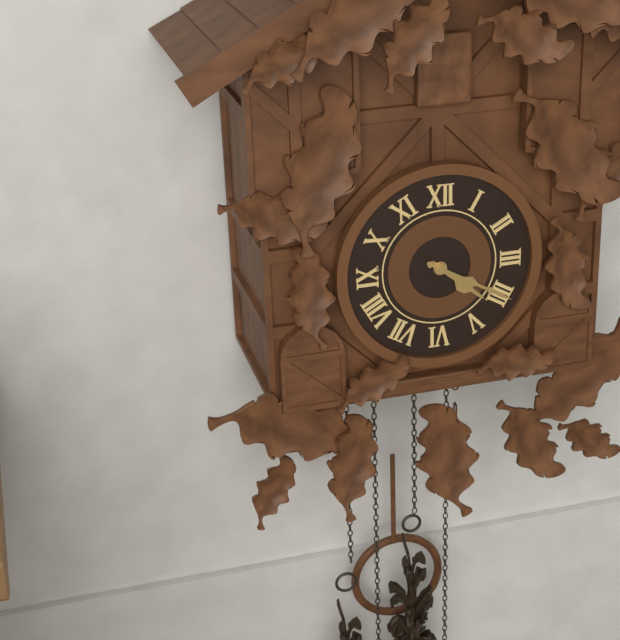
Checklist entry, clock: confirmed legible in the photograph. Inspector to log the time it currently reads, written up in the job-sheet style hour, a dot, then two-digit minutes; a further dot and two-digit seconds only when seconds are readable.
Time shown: 4.20
